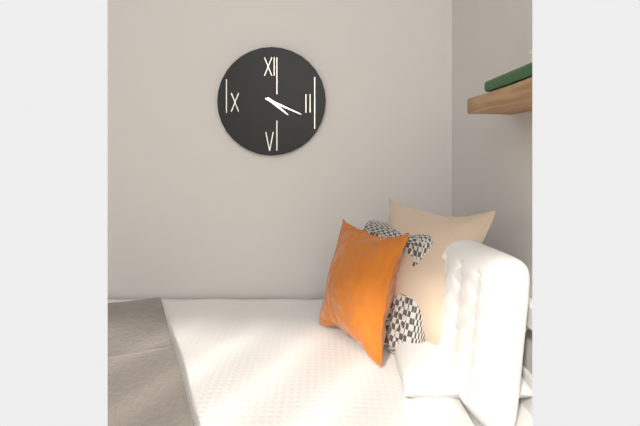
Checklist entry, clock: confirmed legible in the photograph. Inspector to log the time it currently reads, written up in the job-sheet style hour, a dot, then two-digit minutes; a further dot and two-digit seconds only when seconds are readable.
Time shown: 4.19
